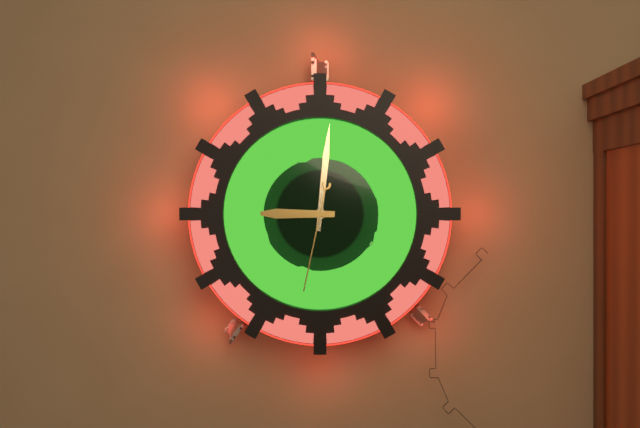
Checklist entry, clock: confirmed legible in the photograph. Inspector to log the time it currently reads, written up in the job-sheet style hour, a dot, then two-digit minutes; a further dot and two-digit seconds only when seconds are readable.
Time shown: 9.01.32
